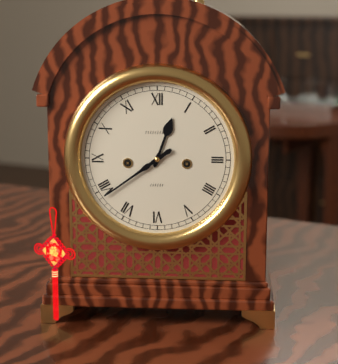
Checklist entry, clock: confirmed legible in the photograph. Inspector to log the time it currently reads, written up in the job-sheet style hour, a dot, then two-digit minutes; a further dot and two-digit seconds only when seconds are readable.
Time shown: 12.39
